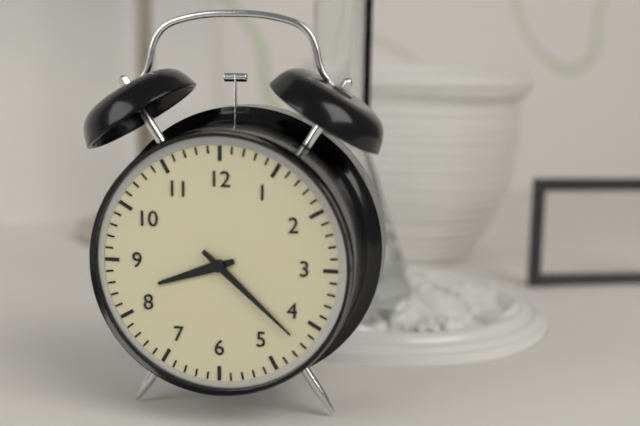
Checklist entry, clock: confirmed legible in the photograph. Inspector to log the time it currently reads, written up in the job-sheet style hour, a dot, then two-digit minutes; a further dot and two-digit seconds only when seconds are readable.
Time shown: 8.22
